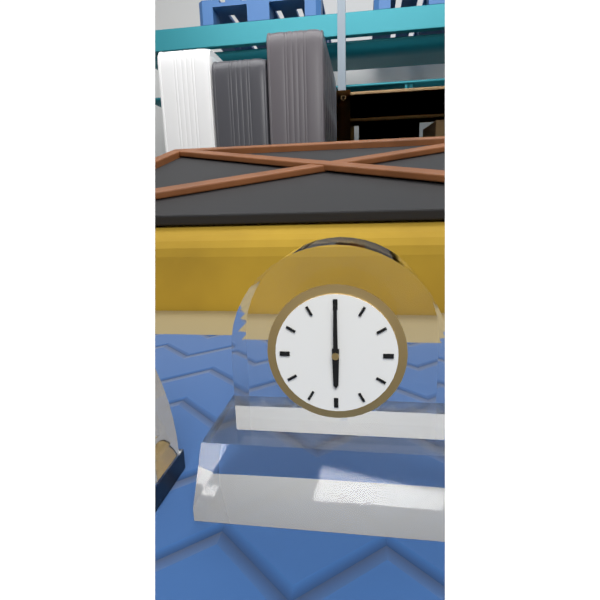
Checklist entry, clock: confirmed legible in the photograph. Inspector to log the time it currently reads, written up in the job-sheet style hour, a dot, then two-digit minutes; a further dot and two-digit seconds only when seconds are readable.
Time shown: 6.00
